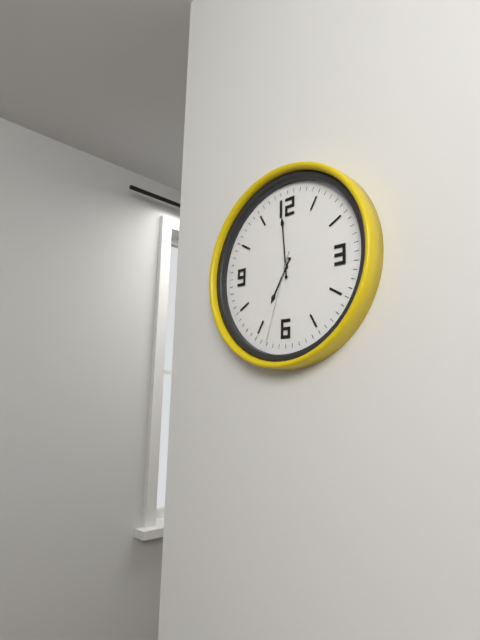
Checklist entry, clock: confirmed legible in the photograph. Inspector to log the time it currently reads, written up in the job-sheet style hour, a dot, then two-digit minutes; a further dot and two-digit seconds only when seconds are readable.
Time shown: 6.59.33
